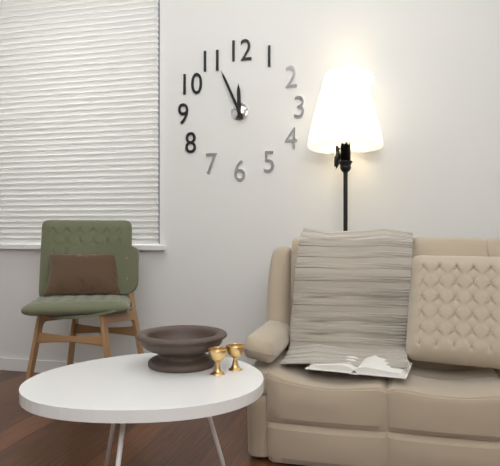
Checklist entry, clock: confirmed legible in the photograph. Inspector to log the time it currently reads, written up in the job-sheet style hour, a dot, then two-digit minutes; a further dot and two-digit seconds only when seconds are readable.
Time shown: 11.56
